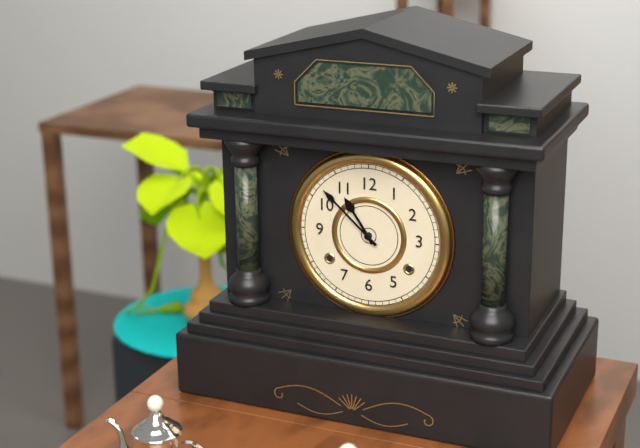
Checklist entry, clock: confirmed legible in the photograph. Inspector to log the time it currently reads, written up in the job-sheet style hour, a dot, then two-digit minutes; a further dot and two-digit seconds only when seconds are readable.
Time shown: 10.52
